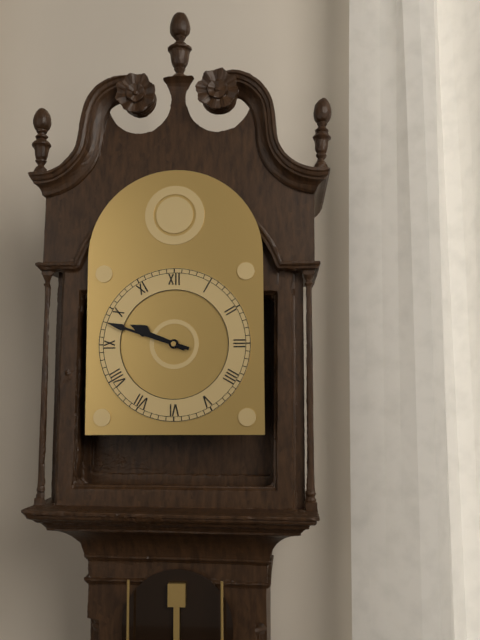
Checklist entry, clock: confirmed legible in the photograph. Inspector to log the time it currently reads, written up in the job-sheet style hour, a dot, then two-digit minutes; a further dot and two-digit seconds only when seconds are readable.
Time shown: 9.48
